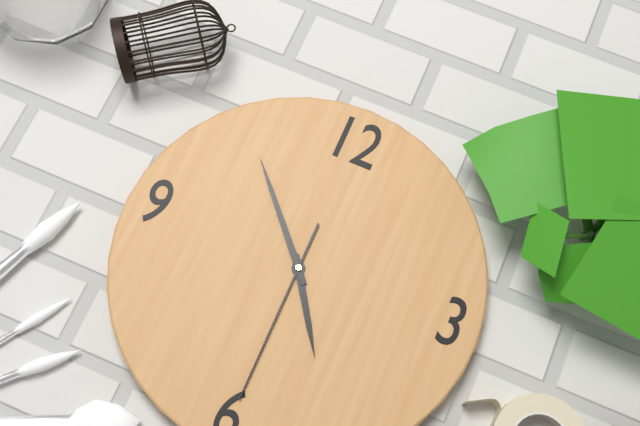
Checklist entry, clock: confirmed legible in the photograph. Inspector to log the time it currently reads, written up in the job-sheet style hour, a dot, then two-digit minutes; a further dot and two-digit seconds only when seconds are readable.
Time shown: 4.53.30
